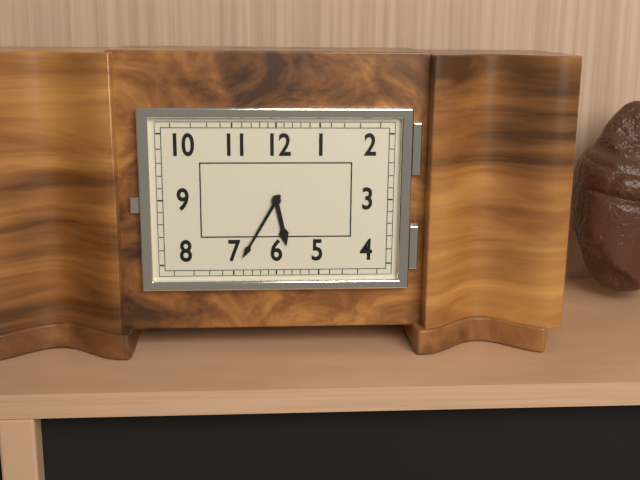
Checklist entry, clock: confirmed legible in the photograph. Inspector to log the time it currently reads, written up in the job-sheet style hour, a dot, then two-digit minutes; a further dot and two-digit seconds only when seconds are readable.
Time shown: 5.35
